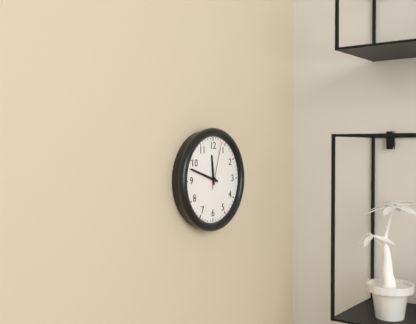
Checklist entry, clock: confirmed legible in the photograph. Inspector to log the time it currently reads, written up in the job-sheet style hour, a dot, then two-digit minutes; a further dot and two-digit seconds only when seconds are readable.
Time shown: 11.48
